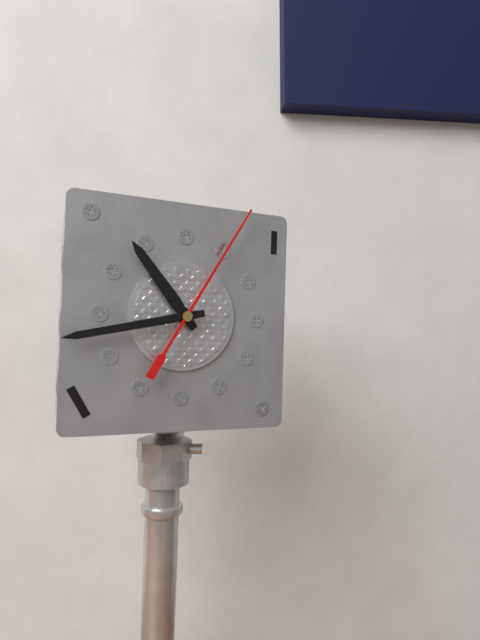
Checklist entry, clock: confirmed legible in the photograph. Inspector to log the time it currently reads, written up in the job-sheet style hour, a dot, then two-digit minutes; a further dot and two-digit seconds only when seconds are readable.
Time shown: 10.43.05
